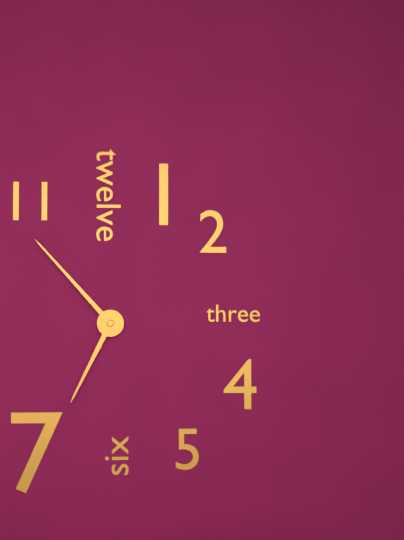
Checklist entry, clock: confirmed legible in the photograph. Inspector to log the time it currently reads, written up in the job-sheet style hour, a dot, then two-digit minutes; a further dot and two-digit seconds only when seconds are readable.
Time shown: 6.53
